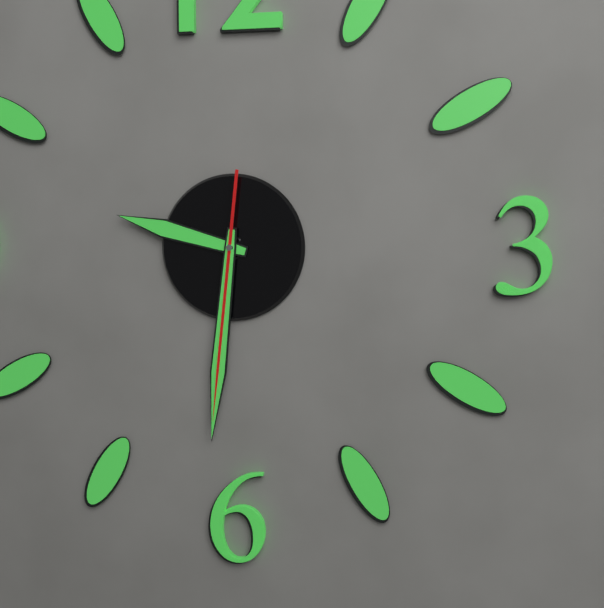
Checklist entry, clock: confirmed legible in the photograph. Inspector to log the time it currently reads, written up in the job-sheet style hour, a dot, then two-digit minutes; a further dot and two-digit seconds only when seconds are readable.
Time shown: 9.31.31
